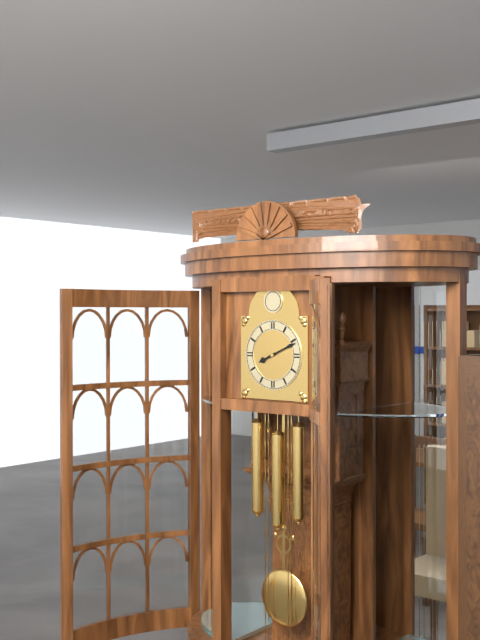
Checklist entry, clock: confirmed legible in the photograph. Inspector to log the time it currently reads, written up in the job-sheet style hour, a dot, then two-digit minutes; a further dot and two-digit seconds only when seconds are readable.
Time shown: 8.11
